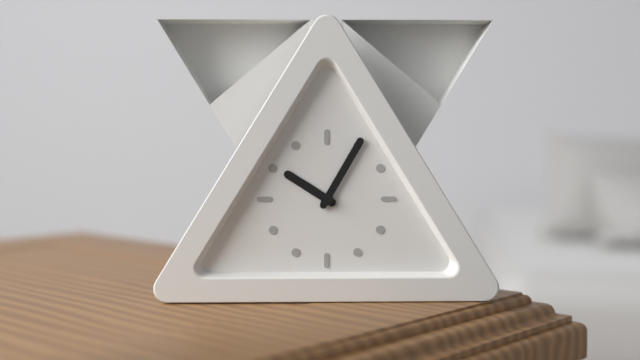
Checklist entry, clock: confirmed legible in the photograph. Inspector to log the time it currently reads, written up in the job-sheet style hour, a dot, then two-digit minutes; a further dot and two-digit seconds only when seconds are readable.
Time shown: 10.05
